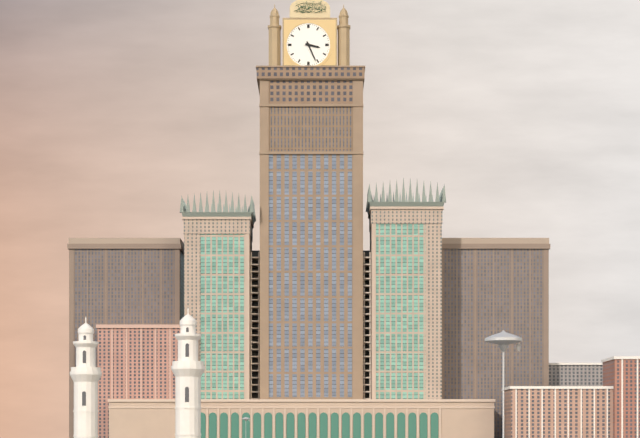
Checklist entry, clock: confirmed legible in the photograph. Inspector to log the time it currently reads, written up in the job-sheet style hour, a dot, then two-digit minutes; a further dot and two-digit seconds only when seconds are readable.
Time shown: 3.26
